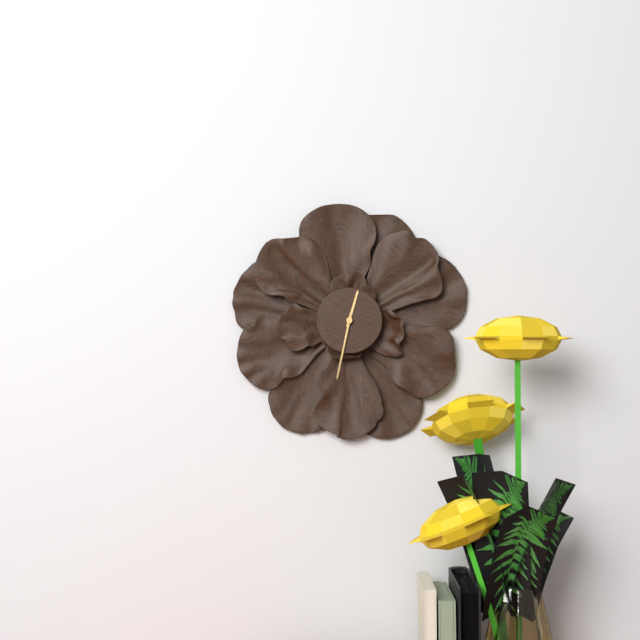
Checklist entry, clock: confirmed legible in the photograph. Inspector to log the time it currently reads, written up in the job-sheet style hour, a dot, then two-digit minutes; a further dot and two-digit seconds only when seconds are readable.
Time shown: 12.32
